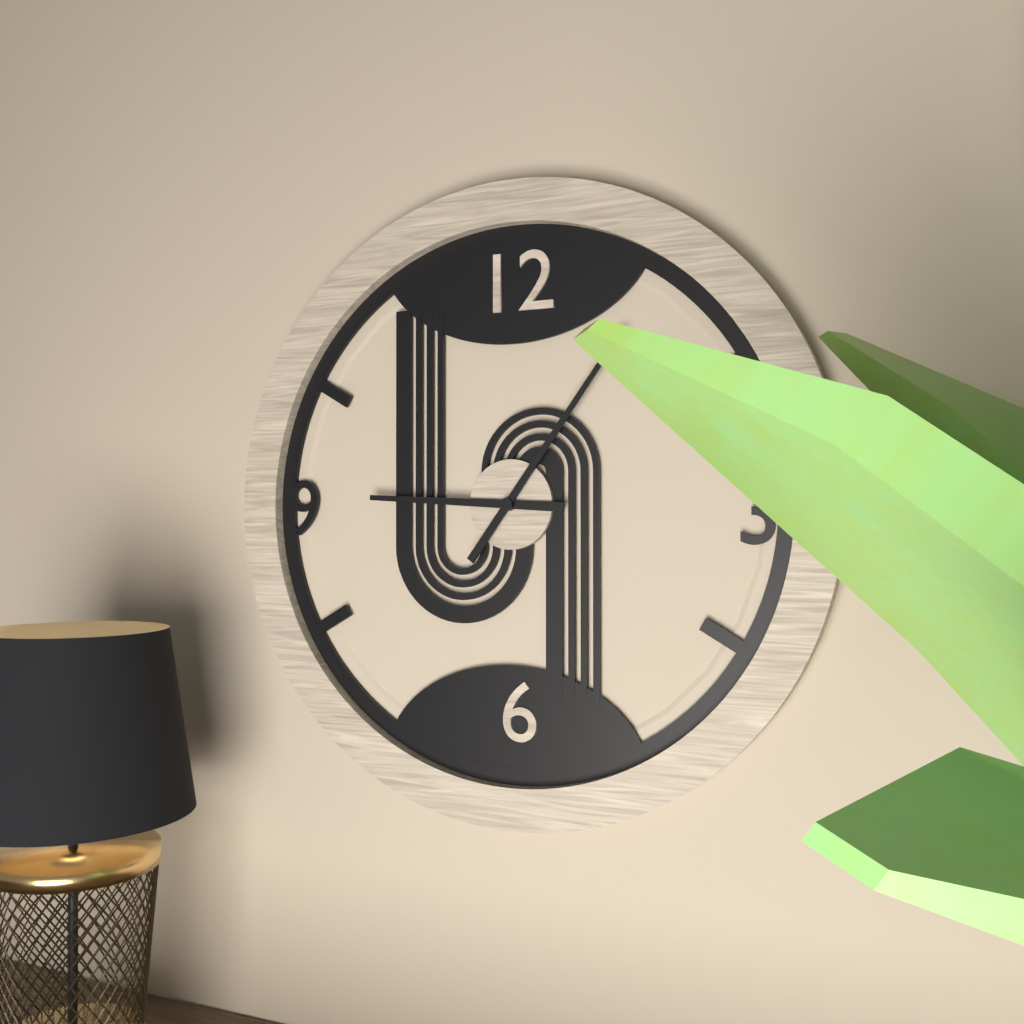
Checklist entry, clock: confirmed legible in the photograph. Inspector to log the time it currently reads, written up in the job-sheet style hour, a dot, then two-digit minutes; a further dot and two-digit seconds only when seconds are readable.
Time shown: 9.06
